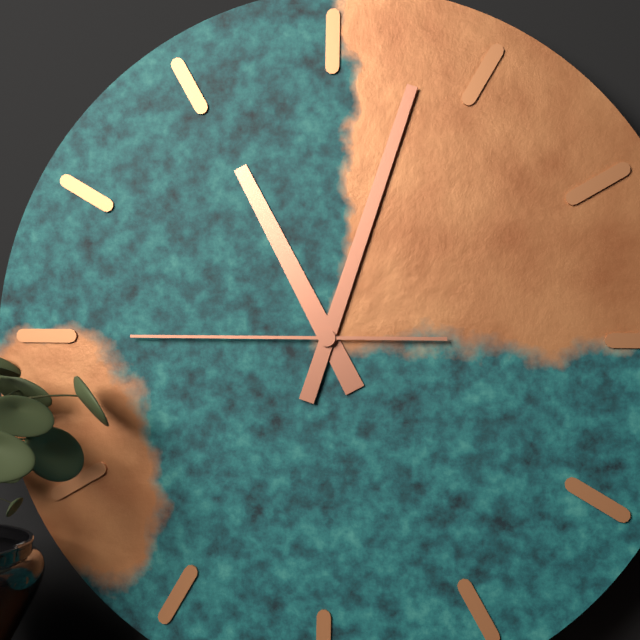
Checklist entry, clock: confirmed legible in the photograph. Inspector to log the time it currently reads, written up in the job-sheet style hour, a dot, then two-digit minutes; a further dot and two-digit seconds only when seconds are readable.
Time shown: 11.03.45
